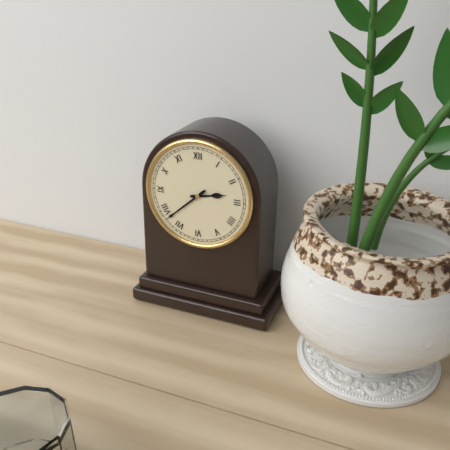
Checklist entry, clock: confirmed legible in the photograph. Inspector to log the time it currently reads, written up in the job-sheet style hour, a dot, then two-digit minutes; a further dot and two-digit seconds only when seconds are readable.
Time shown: 2.38
